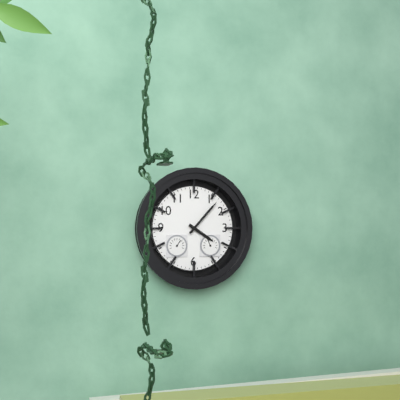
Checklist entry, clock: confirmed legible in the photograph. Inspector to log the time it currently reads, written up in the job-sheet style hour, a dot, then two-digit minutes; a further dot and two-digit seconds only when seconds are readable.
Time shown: 4.07
